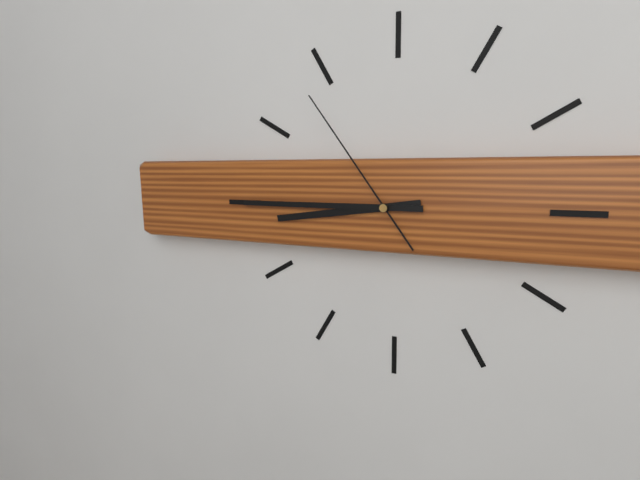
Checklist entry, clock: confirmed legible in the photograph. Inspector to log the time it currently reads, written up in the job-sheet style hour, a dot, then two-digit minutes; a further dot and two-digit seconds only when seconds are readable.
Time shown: 8.45.54
